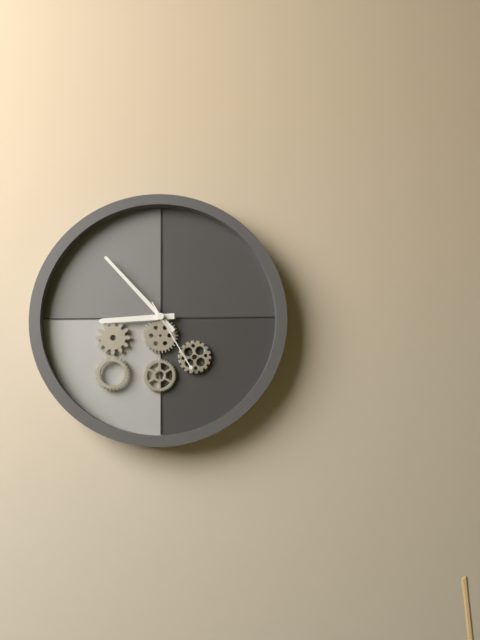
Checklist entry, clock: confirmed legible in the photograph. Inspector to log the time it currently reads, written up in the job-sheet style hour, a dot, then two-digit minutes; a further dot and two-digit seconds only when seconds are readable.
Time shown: 8.53.25
